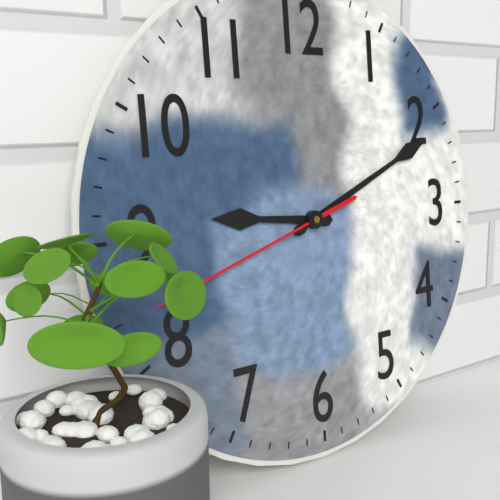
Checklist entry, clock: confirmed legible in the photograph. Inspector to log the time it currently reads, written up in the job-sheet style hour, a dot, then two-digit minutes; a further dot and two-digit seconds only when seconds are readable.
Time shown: 9.11.42
